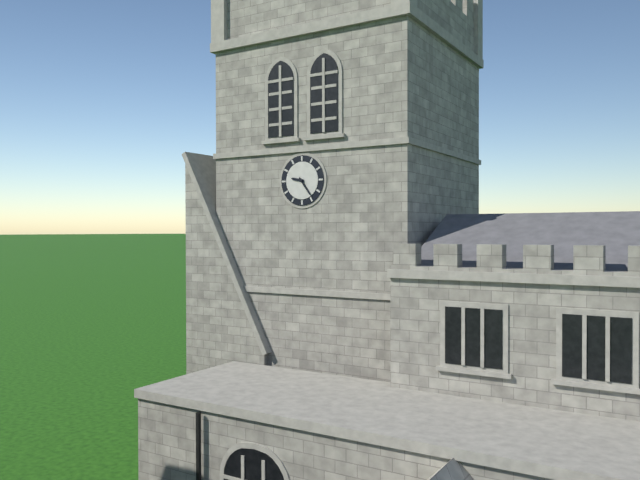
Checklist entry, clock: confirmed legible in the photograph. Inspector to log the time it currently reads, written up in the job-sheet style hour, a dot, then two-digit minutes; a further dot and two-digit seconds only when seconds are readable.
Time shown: 9.24
